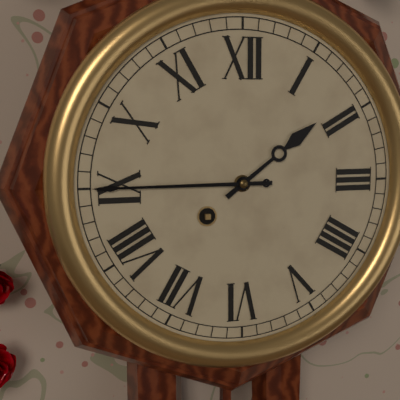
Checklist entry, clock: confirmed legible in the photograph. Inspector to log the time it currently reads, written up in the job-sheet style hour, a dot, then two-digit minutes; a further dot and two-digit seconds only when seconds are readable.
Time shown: 1.45
